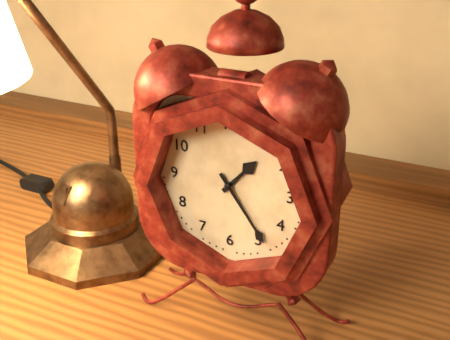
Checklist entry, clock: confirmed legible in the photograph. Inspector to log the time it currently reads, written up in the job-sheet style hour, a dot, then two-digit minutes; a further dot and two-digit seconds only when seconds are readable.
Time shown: 1.24
